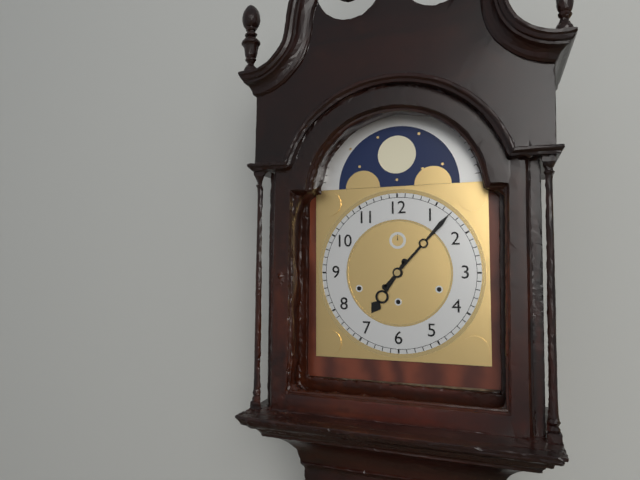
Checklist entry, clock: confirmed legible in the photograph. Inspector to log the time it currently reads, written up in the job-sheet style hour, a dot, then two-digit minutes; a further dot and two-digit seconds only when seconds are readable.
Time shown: 7.07
